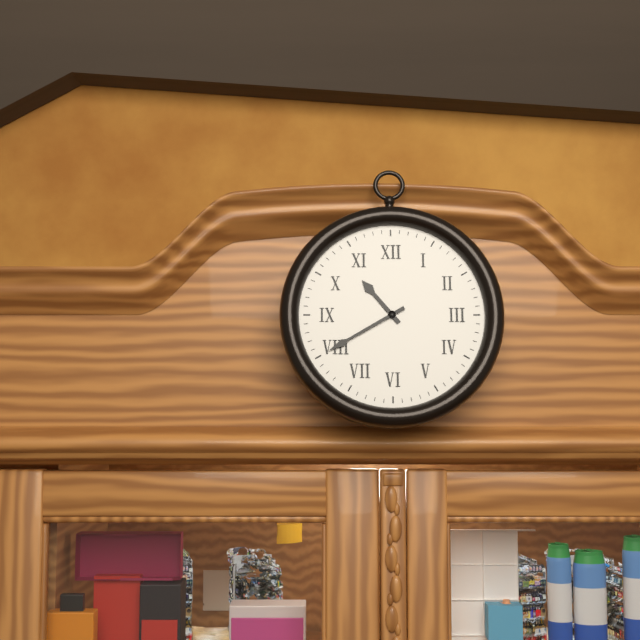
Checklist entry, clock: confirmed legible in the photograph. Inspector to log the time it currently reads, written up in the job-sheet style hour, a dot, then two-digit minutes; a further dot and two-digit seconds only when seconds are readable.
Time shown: 10.40
